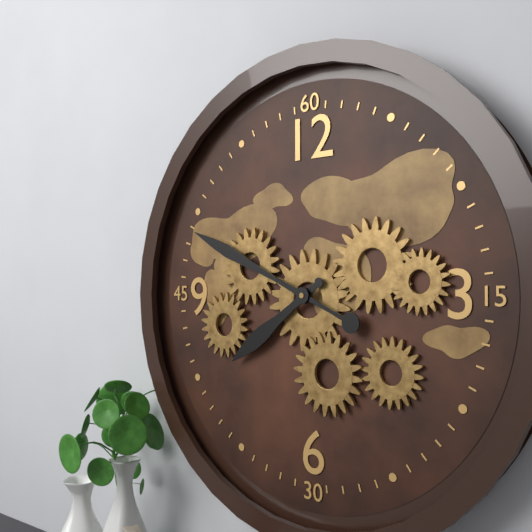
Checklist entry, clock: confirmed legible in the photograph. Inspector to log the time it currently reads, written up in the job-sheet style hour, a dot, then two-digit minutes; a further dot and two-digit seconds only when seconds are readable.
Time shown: 7.49
